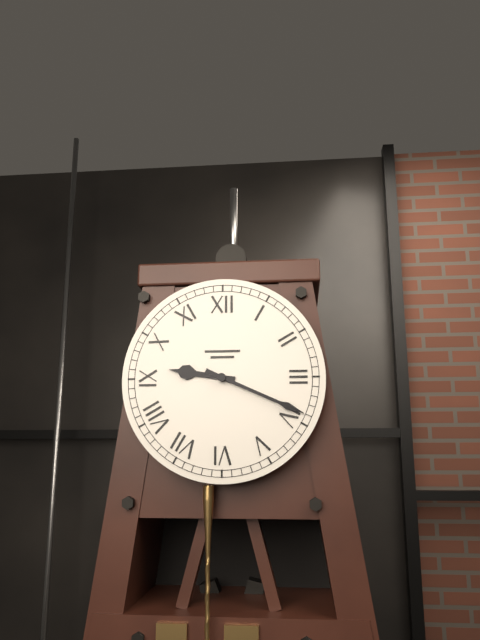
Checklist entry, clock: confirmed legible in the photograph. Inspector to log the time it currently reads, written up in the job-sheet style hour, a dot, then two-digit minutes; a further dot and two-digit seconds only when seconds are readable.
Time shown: 9.19
